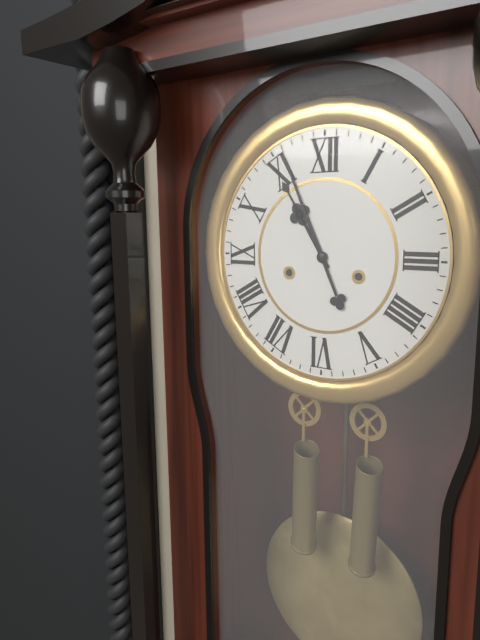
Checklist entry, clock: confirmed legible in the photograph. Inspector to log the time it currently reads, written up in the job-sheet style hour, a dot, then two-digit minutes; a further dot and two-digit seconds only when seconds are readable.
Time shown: 10.56
